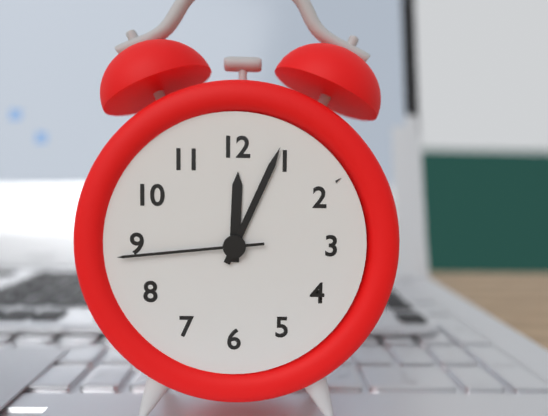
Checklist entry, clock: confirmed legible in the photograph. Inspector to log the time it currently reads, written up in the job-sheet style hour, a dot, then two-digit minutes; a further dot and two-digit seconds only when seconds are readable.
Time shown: 12.04.44
